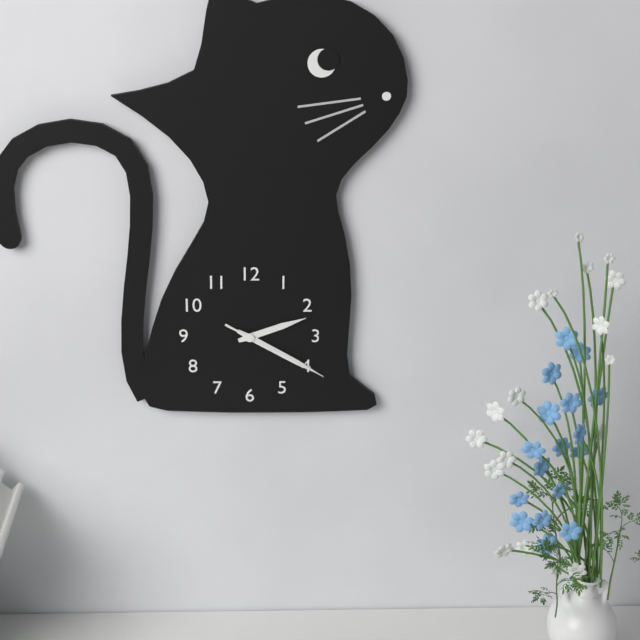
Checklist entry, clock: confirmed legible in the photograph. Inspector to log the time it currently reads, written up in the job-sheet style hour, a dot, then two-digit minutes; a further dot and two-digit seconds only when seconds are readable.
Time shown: 2.20.20
